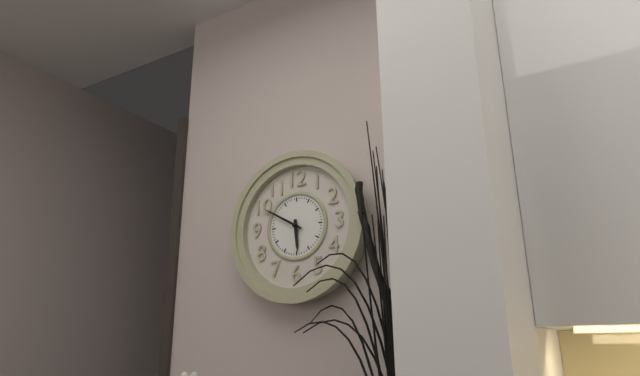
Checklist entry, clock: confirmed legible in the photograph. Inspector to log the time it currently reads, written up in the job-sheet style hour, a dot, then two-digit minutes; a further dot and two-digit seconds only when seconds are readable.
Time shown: 5.50
